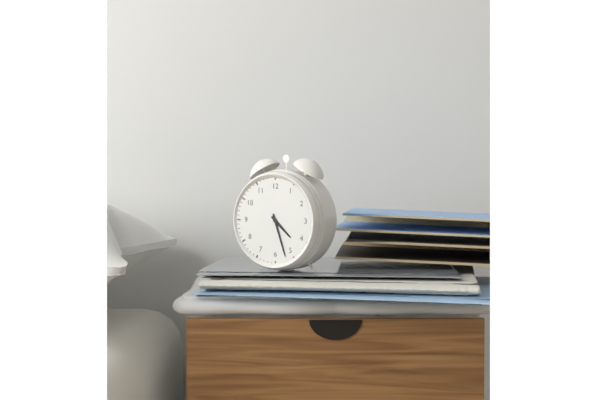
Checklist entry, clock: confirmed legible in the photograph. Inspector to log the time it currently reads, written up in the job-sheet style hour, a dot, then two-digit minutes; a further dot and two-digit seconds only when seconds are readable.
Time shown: 4.27
